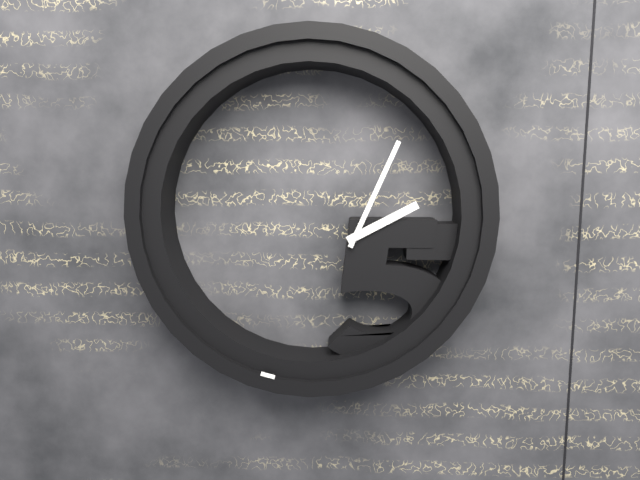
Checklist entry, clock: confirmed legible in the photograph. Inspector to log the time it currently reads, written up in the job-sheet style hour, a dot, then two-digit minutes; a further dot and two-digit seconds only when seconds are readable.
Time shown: 2.04
